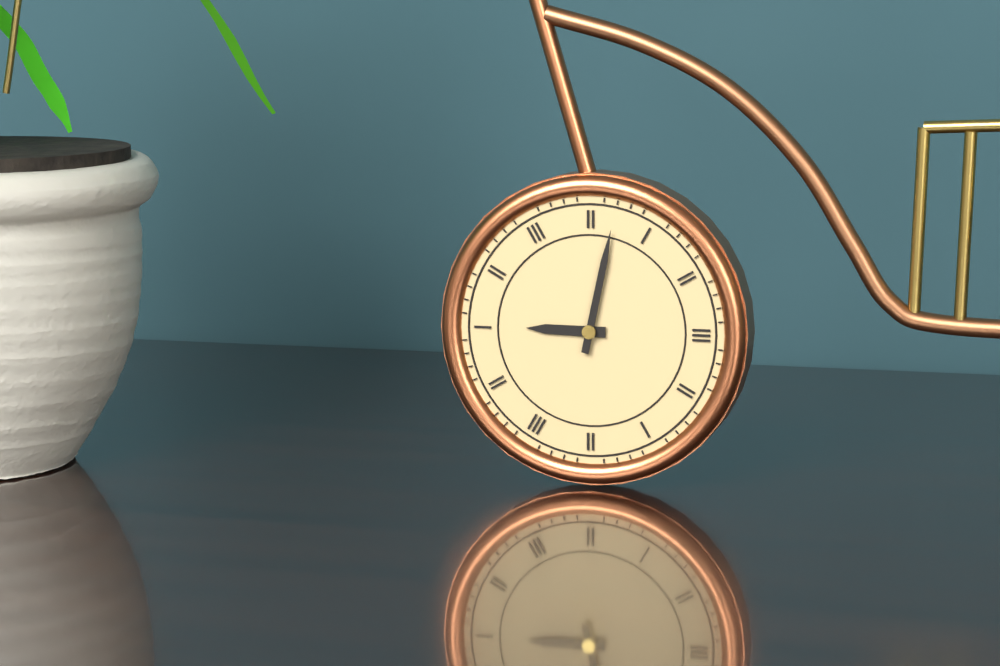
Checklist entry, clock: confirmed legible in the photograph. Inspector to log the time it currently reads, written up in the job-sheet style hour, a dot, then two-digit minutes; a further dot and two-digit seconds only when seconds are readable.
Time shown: 9.02
